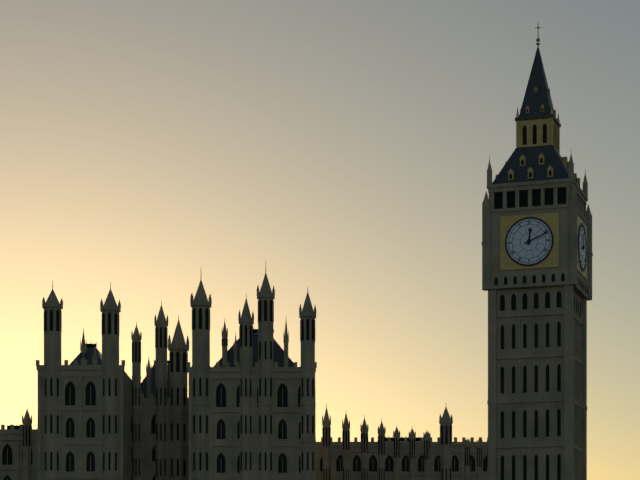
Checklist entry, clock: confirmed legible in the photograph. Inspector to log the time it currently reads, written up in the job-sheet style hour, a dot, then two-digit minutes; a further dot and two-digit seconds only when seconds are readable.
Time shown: 12.11
